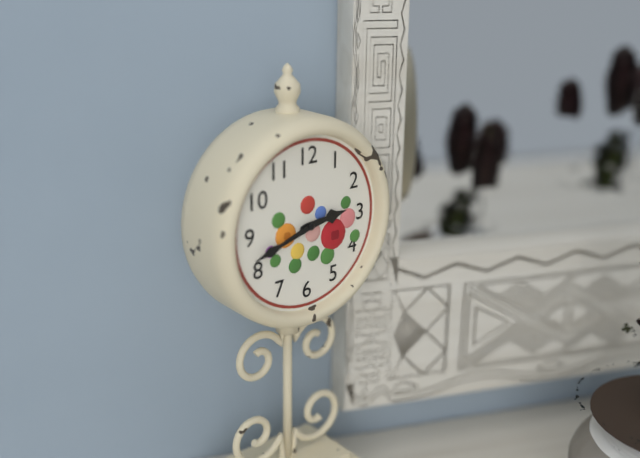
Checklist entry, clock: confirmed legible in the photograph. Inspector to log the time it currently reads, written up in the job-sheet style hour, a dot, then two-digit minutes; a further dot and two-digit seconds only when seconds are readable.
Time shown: 2.42
